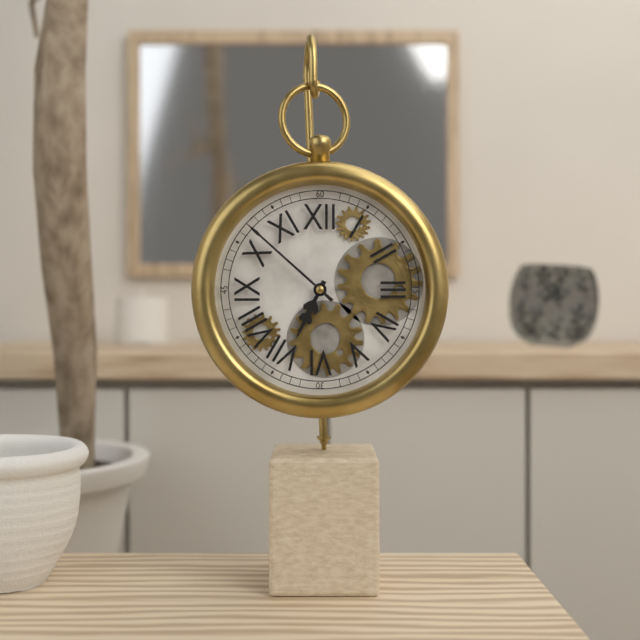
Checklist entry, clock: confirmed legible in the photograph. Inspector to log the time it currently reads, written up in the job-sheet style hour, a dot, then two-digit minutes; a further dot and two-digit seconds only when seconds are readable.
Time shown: 6.52
